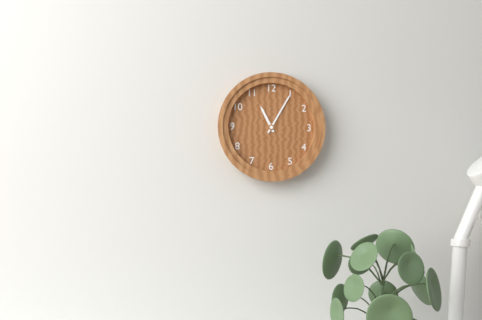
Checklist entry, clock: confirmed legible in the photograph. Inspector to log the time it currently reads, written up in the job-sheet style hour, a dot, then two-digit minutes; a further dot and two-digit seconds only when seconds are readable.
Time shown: 11.05
